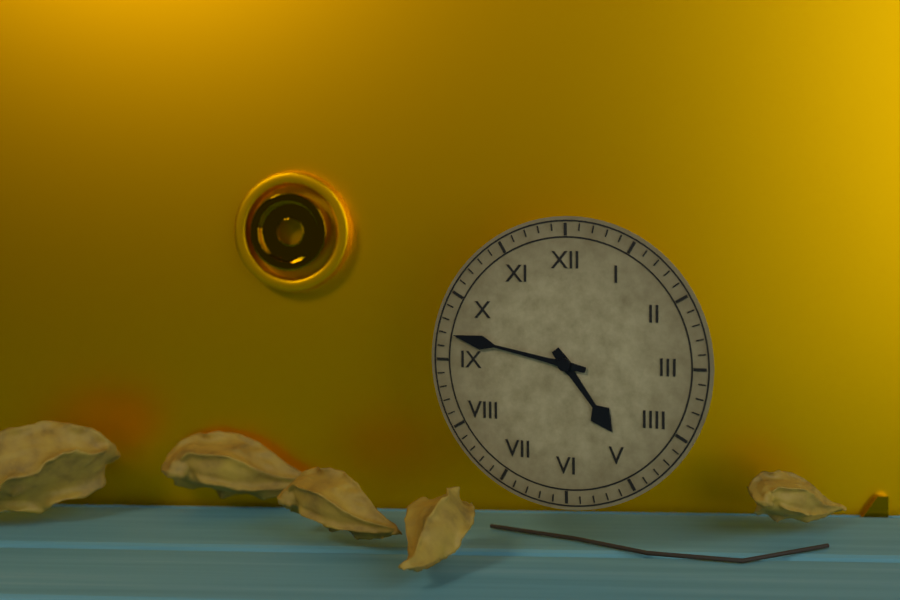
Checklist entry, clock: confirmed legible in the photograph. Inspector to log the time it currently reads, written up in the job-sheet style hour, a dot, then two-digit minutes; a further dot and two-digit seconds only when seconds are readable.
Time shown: 4.47
